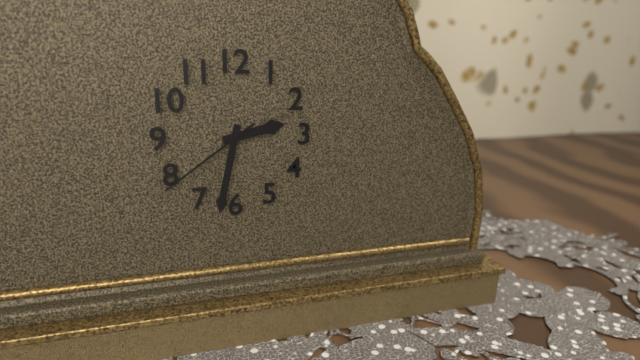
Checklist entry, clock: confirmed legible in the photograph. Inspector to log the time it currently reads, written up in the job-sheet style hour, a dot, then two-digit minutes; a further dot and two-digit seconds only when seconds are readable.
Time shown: 2.32.39
